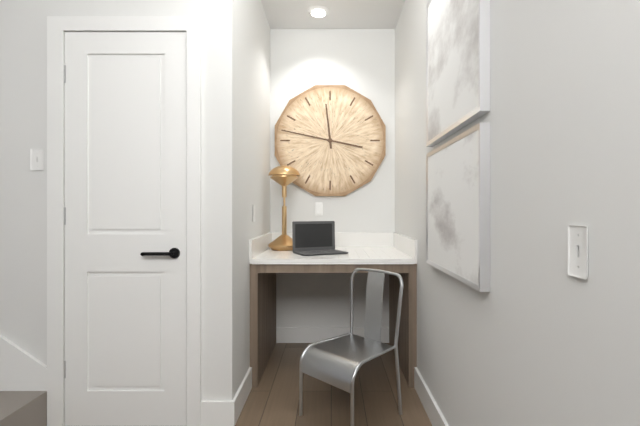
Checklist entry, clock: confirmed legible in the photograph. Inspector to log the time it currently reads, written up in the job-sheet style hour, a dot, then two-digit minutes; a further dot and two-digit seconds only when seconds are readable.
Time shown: 11.47
